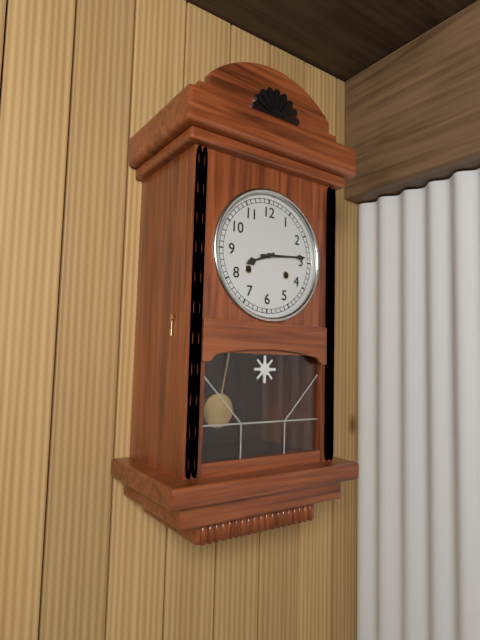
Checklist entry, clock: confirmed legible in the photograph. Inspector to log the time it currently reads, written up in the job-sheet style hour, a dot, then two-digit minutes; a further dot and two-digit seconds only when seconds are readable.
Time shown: 8.14
